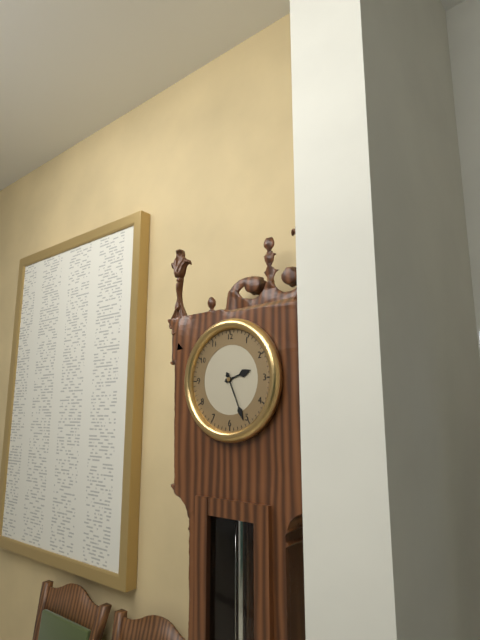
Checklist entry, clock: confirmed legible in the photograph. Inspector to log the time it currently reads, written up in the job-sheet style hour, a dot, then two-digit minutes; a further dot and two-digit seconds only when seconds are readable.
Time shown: 2.26
